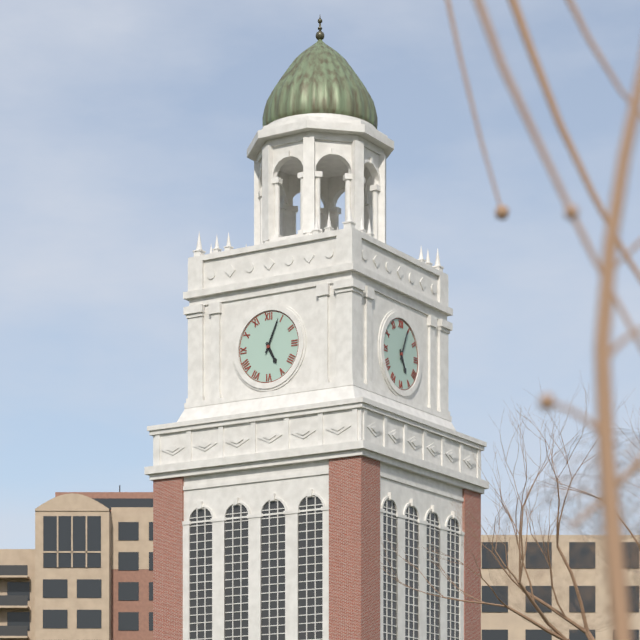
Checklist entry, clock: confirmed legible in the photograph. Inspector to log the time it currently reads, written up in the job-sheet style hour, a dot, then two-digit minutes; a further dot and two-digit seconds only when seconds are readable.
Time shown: 5.04
